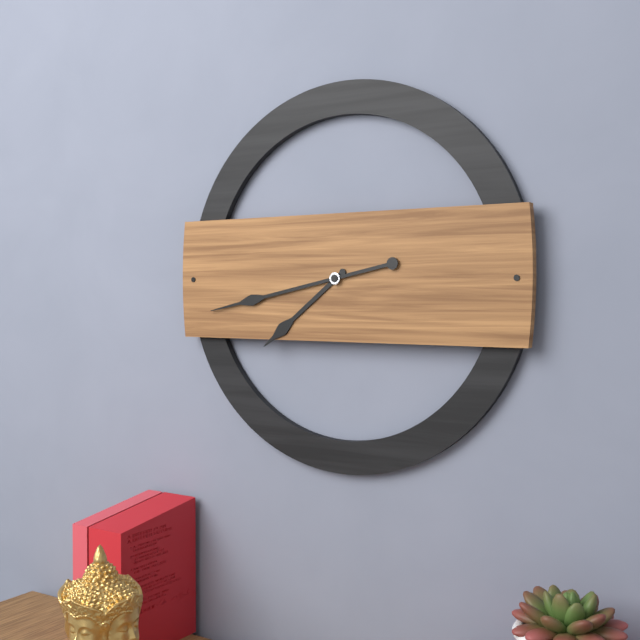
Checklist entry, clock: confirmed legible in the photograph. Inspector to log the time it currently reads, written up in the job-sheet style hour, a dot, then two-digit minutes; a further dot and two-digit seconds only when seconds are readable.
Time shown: 7.43
